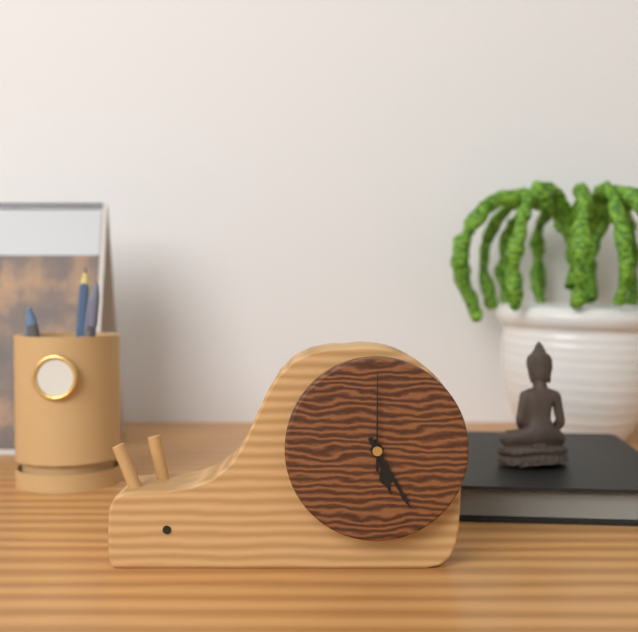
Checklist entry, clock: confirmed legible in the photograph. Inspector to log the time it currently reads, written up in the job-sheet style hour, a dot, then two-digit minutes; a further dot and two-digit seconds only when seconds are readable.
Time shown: 5.25.00
